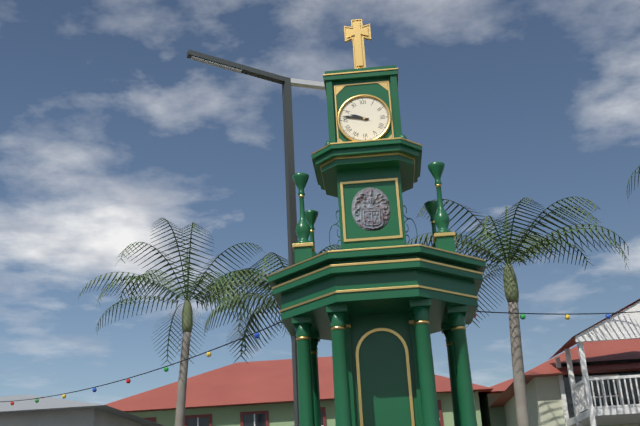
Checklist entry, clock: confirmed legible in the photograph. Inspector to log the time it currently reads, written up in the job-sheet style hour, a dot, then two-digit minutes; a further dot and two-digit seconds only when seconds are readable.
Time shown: 9.47
